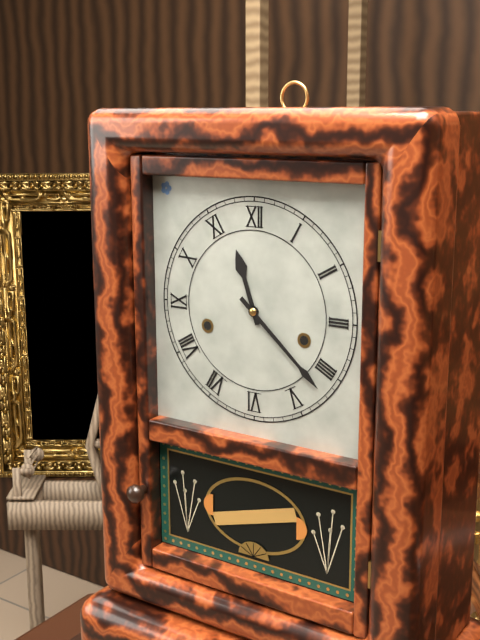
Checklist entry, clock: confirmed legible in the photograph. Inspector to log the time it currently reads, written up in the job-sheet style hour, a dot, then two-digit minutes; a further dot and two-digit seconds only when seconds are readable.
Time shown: 11.22
